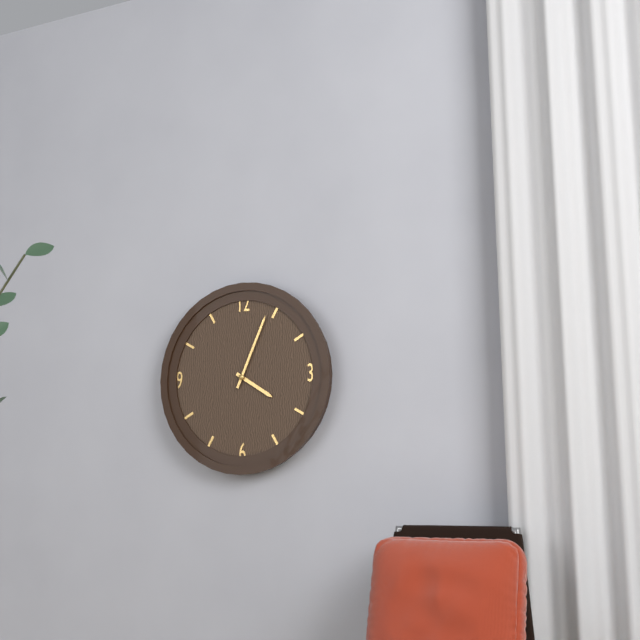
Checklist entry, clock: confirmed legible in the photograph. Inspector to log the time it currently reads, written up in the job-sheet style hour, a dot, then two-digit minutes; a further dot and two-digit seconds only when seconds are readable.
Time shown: 4.04
